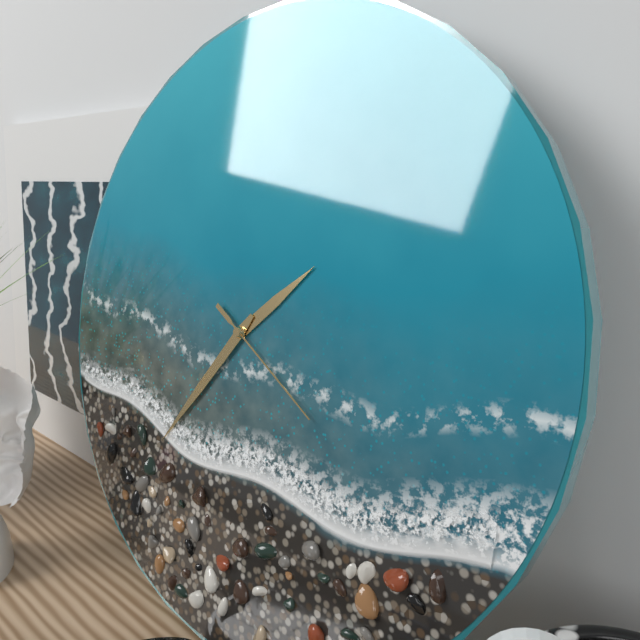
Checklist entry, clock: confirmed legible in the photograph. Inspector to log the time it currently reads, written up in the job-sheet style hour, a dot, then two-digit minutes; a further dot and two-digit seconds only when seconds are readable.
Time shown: 1.36.20
